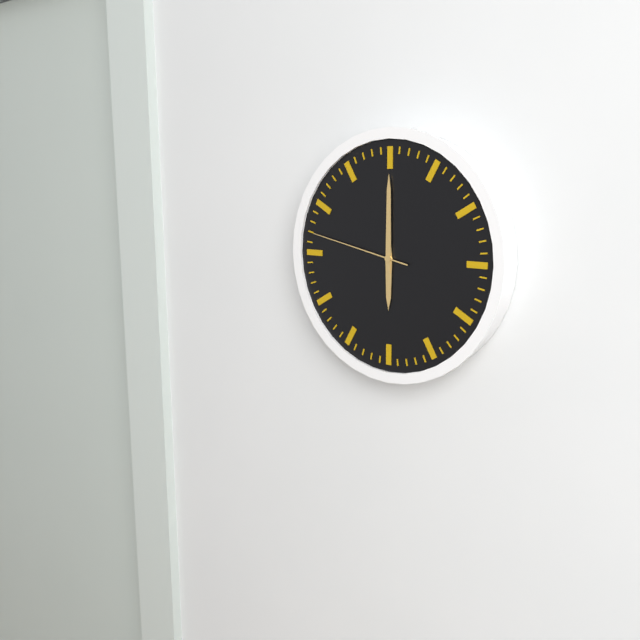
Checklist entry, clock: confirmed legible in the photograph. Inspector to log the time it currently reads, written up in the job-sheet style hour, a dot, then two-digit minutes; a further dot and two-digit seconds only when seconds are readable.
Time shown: 6.00.47
